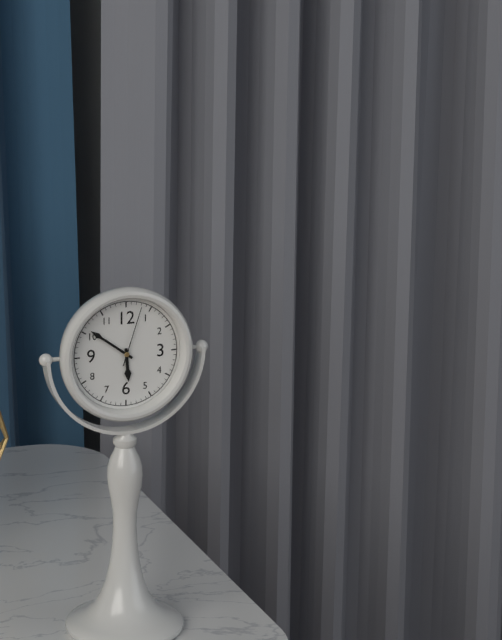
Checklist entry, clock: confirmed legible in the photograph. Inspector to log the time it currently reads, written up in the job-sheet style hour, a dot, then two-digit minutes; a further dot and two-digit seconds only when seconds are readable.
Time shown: 5.51.03
